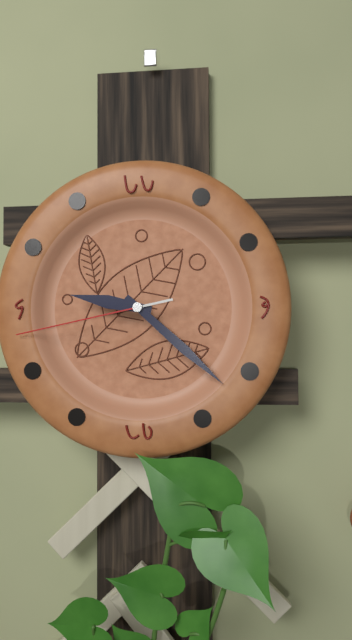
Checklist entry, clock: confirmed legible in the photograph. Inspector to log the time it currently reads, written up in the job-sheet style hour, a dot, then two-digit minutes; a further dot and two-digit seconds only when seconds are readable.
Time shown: 9.22.43
